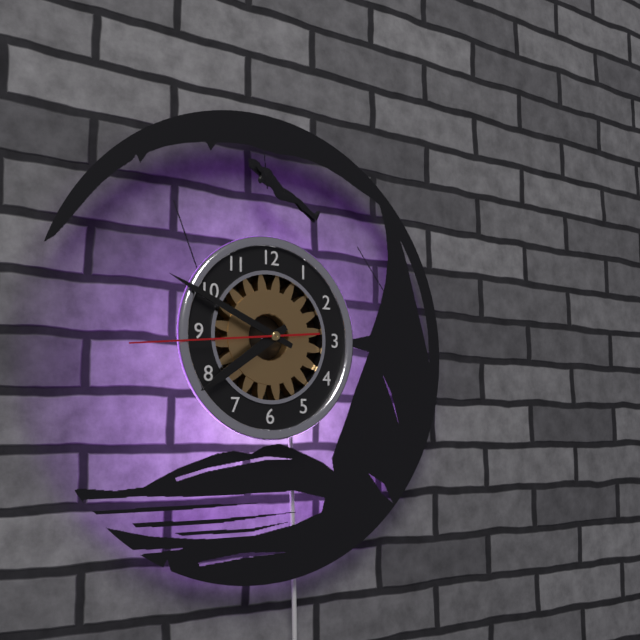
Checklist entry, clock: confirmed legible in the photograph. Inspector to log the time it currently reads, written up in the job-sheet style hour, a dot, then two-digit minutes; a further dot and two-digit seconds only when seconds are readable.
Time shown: 7.49.44
